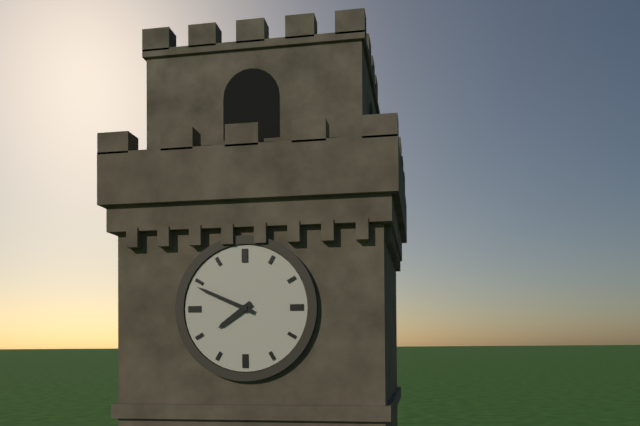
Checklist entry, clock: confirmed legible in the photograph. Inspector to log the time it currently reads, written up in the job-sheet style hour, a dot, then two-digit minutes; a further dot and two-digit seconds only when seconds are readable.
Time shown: 7.49
